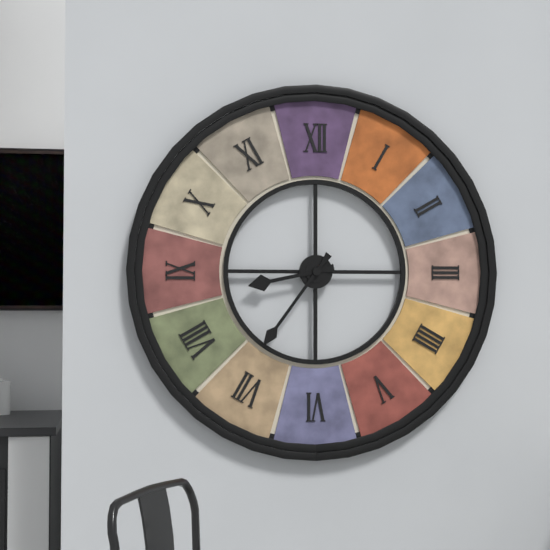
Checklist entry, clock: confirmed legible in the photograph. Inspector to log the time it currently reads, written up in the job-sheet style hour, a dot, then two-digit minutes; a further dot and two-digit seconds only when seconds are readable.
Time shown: 8.36
